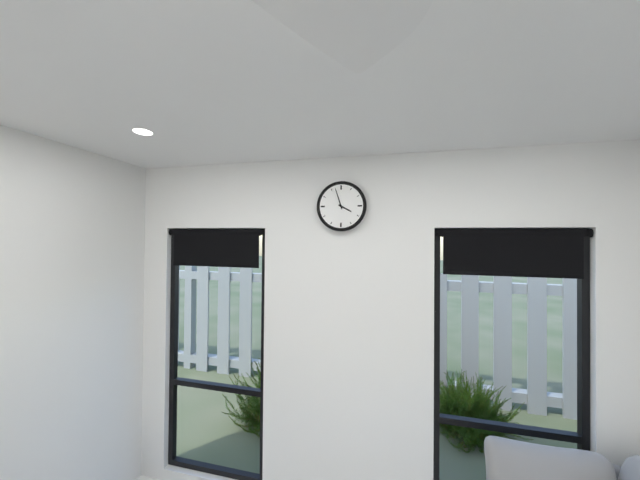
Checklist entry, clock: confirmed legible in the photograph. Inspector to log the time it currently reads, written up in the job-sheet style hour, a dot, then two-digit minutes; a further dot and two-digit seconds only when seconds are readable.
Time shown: 3.57
